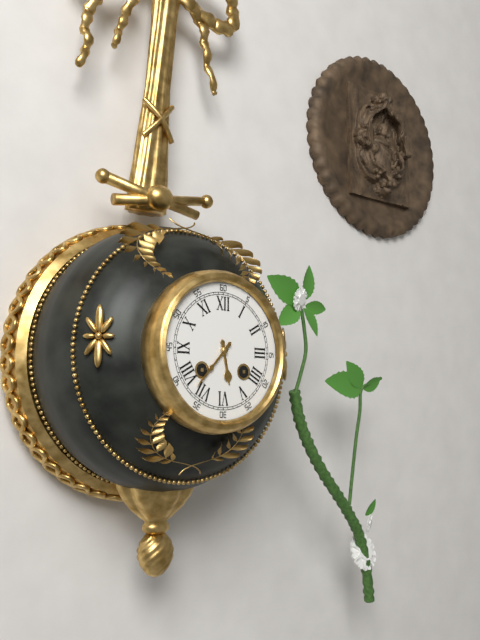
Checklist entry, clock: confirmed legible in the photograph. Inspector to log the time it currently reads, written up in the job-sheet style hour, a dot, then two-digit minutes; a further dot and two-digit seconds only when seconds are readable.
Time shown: 5.37
